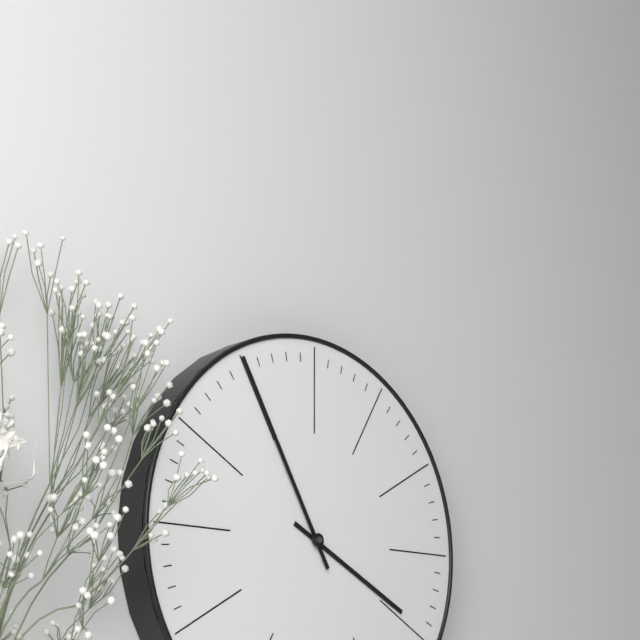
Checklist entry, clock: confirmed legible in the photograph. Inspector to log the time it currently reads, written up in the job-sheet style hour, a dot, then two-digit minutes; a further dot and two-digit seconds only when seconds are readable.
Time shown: 3.55
